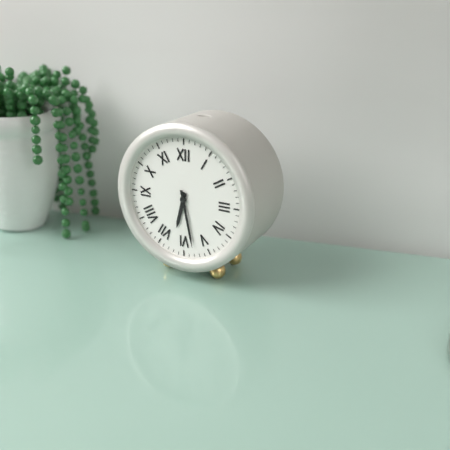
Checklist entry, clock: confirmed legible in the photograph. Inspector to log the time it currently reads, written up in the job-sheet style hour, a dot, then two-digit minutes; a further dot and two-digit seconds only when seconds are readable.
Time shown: 6.28
